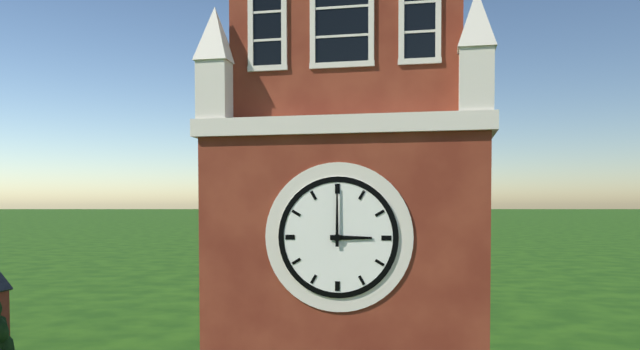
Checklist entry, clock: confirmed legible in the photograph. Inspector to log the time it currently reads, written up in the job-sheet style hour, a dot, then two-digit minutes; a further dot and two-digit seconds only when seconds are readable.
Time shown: 3.00
